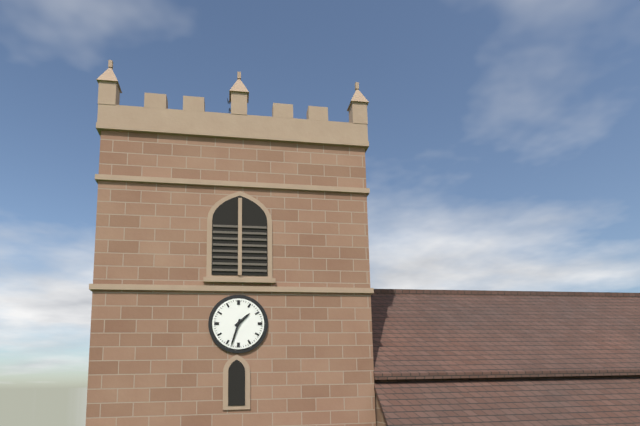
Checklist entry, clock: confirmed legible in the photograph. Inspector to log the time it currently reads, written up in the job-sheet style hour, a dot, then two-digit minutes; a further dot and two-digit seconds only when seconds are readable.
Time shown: 1.33
